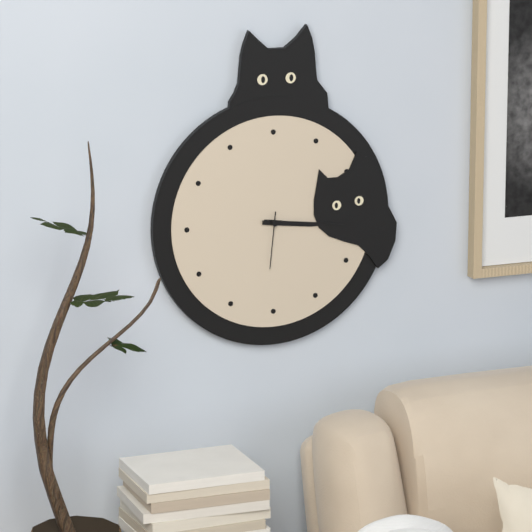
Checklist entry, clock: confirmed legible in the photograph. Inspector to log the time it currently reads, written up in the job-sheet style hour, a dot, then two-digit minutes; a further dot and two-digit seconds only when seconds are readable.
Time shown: 3.16.31
